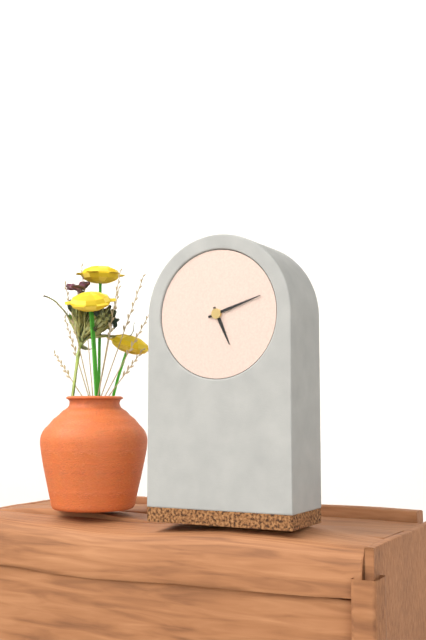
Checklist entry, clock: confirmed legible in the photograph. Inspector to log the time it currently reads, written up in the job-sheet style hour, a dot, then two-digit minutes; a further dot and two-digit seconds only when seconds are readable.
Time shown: 5.12
